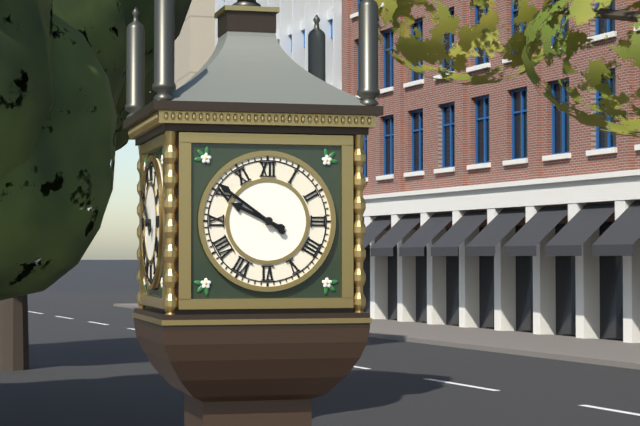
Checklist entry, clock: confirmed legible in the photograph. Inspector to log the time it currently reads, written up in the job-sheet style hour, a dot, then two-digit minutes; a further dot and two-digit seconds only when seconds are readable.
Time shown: 9.51
